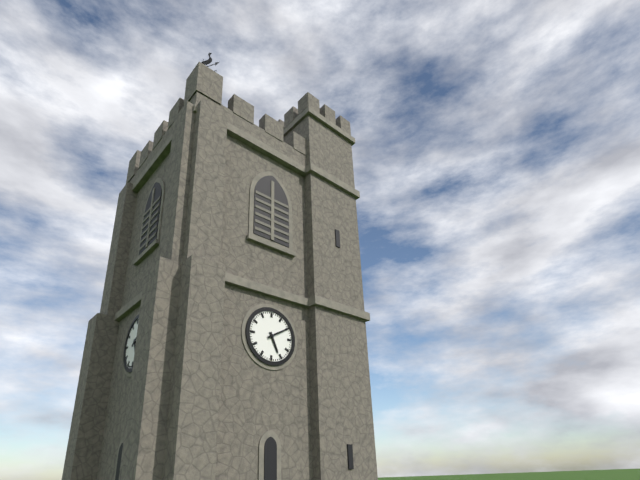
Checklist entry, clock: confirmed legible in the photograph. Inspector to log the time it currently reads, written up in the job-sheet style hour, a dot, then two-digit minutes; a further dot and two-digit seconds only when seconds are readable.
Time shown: 5.10
